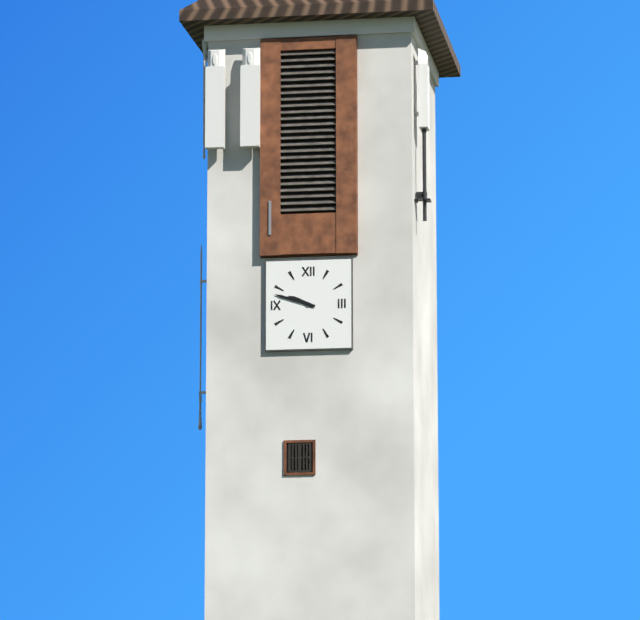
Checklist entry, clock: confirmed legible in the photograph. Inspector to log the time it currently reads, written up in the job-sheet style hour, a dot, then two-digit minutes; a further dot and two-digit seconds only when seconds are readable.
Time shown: 9.48
